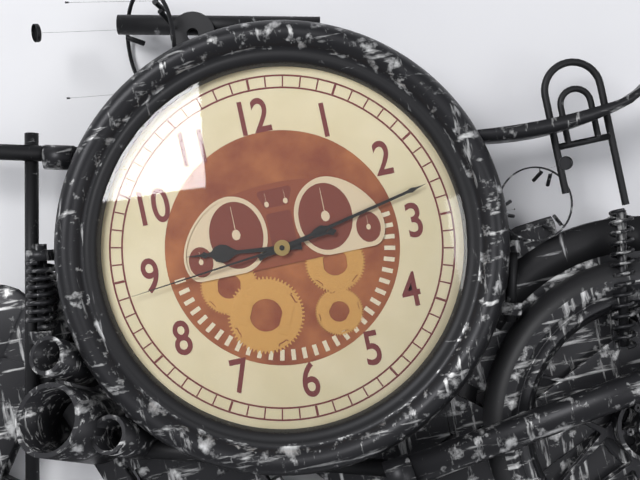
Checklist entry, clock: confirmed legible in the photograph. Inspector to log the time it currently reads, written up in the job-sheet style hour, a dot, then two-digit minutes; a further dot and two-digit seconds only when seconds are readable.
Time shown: 9.13.44
